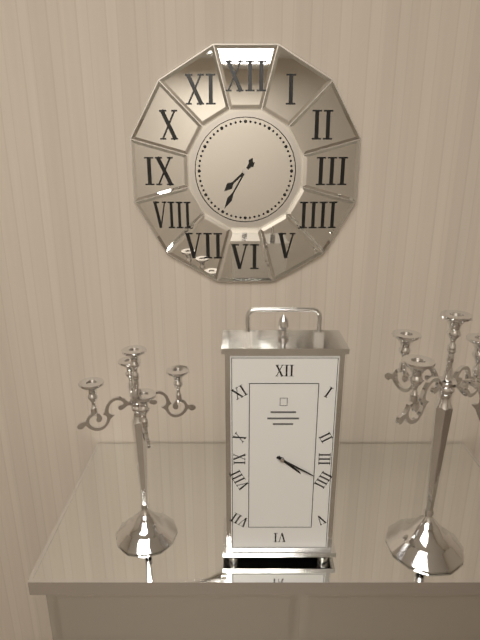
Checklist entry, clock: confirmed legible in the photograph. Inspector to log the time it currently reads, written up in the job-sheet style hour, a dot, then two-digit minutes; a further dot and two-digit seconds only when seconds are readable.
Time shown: 7.35
